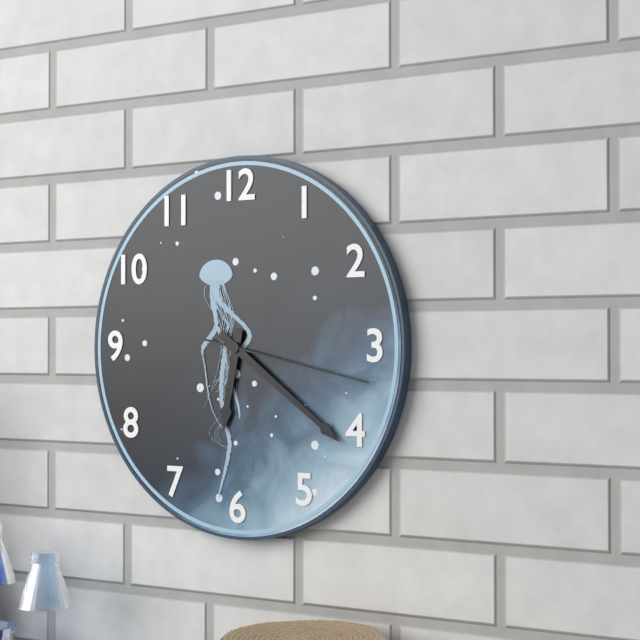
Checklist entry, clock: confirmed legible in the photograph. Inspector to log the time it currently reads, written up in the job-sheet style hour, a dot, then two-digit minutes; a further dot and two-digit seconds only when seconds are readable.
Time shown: 6.21.17
